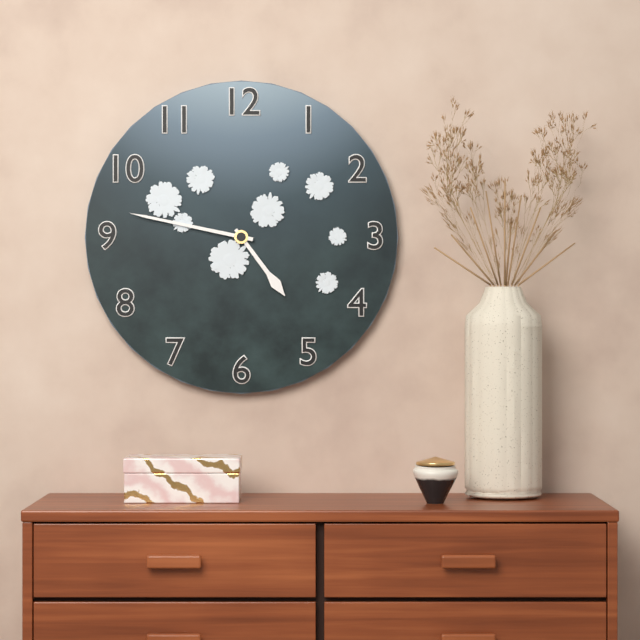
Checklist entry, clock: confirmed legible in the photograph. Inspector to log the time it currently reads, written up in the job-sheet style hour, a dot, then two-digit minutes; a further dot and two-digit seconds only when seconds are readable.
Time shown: 4.47
